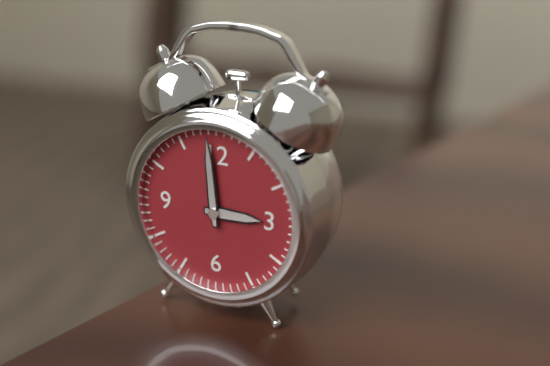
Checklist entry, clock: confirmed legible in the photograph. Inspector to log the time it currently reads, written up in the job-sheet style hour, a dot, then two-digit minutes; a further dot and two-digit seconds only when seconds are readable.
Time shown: 2.59
